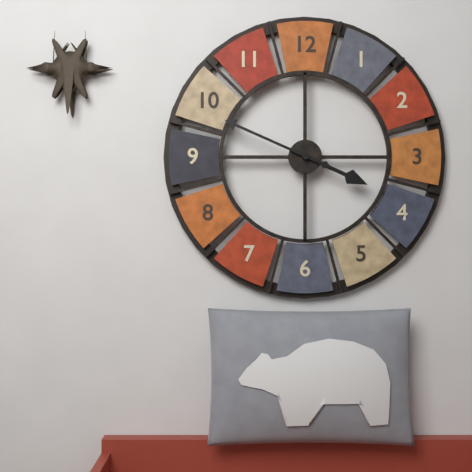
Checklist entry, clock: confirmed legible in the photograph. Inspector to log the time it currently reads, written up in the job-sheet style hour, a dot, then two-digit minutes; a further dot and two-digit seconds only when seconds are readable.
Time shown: 3.49
